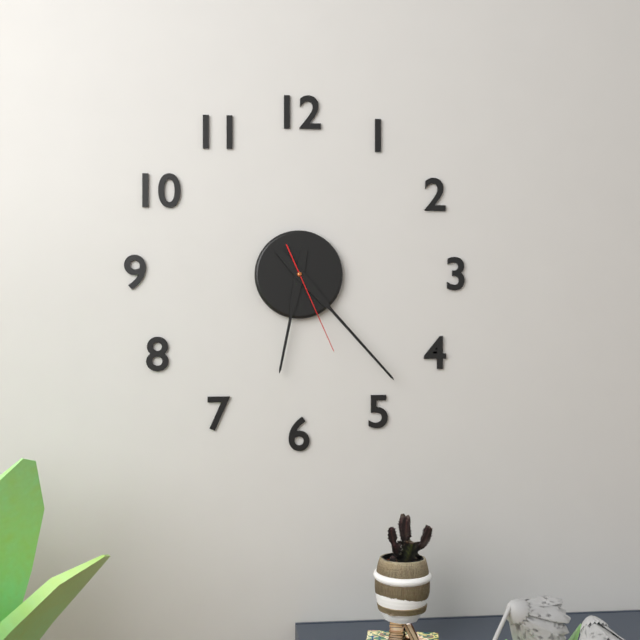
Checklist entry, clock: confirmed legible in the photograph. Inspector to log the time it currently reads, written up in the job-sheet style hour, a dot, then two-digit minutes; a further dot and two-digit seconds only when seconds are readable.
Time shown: 6.23.26
